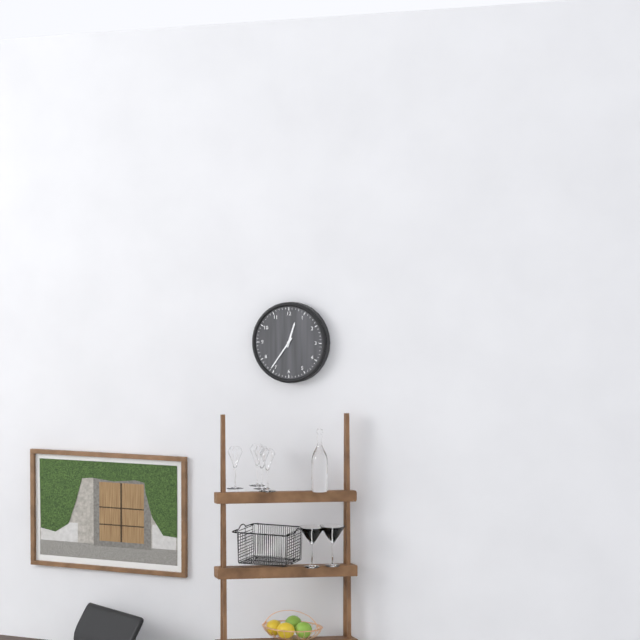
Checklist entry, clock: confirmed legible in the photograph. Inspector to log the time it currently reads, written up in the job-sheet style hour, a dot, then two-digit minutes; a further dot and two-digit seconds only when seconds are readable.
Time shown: 12.36
